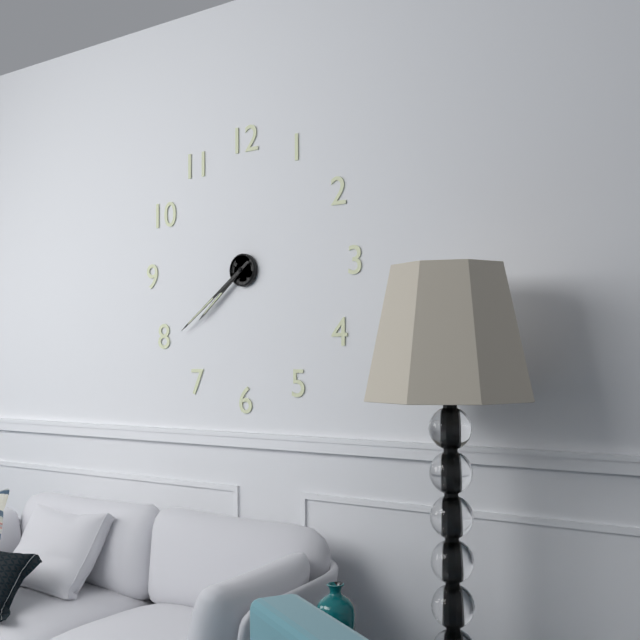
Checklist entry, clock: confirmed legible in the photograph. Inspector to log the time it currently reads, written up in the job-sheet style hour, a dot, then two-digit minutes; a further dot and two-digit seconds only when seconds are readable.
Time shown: 7.39
